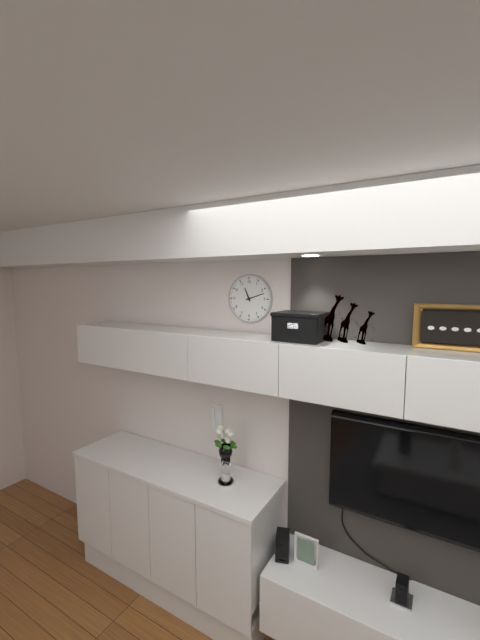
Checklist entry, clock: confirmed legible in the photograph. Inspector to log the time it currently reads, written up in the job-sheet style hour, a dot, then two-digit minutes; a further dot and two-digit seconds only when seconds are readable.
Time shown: 11.12
